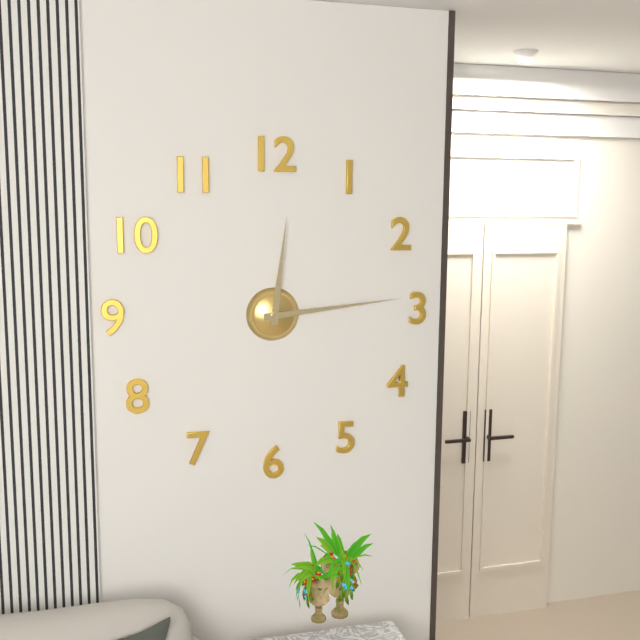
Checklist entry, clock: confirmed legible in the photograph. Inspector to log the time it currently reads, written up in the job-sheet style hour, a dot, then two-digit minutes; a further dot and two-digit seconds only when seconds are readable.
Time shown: 12.14
